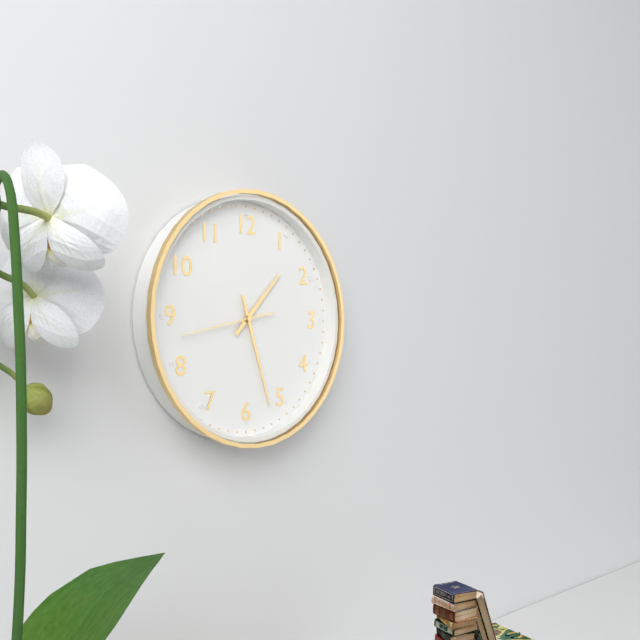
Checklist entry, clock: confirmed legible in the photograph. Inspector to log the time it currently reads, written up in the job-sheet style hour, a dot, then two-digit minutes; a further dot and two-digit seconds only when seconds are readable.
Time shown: 1.27.43
